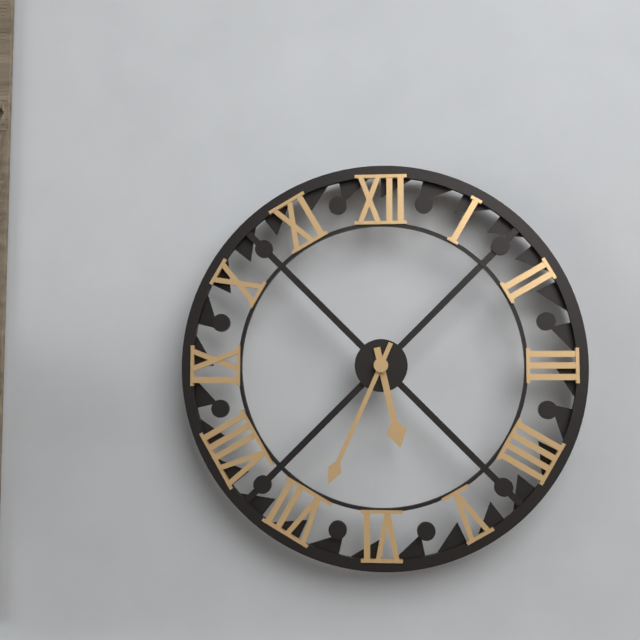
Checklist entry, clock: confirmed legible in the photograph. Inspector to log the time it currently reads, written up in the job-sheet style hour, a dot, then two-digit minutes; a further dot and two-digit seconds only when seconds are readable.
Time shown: 5.34
